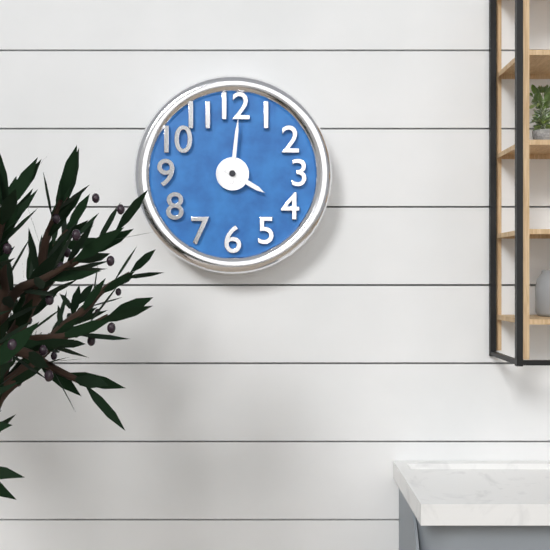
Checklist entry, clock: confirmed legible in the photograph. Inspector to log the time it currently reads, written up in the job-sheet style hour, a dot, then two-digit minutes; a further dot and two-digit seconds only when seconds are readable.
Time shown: 4.01
